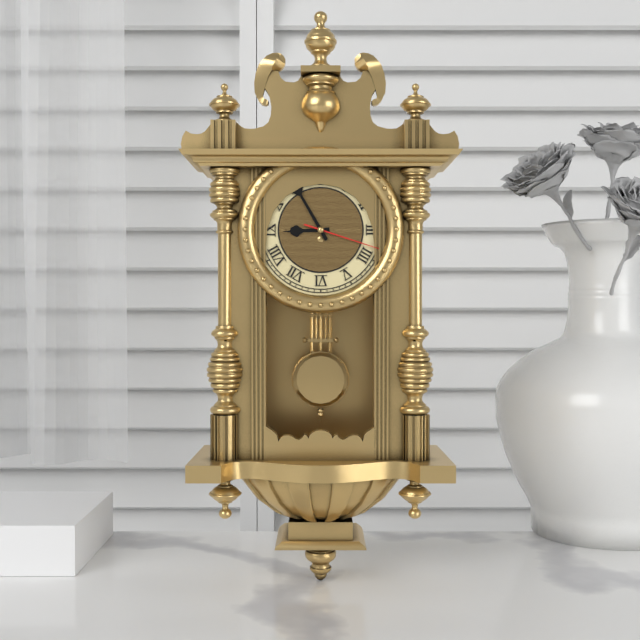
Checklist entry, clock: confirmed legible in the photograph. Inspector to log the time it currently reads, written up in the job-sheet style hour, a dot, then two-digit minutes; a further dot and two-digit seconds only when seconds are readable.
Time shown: 8.55.18
